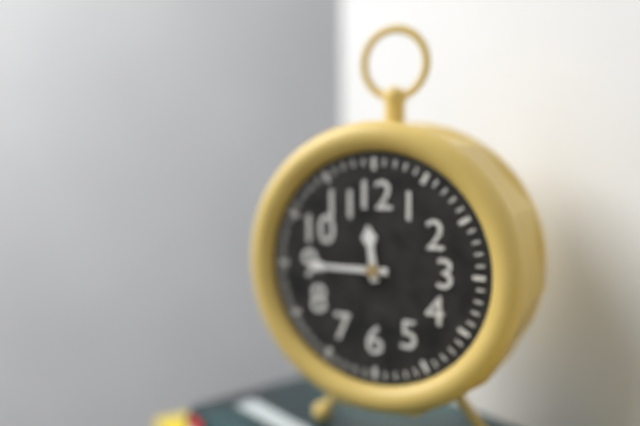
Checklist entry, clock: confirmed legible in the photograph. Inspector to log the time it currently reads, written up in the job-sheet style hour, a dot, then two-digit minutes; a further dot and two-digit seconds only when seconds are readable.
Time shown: 11.45
